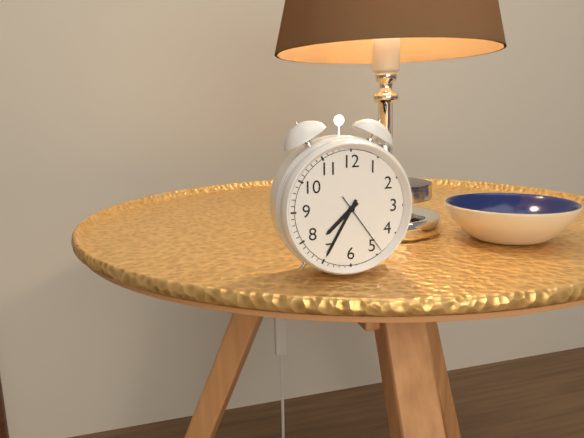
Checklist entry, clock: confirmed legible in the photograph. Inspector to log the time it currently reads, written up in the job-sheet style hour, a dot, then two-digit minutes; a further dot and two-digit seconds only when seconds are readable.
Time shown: 7.35.24
